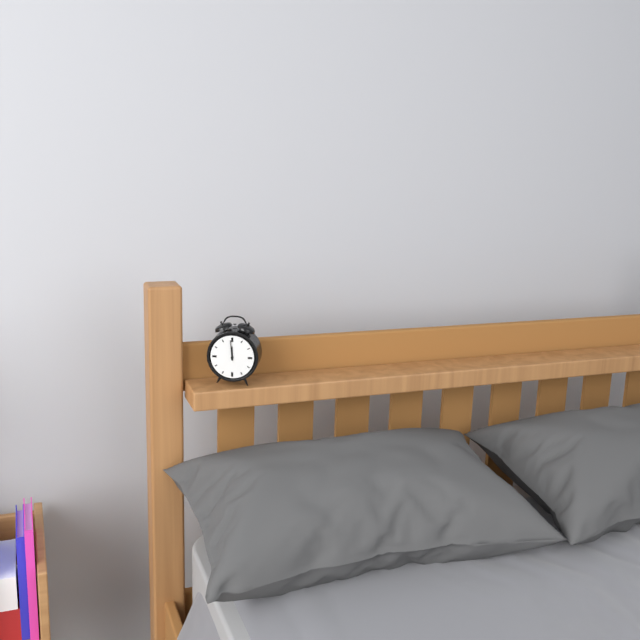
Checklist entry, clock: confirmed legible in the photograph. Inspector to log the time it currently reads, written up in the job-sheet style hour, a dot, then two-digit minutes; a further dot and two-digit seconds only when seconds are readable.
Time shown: 11.59
